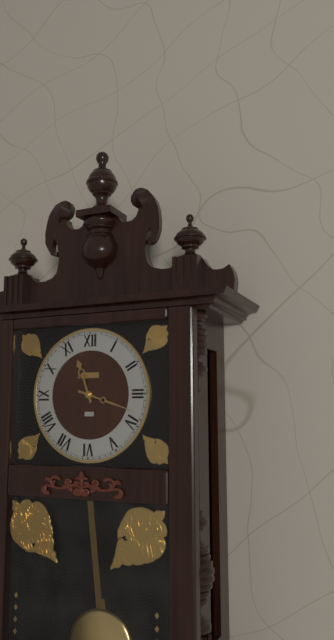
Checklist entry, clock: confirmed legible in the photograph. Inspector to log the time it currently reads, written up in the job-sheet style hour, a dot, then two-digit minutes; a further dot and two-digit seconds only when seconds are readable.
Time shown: 11.18
